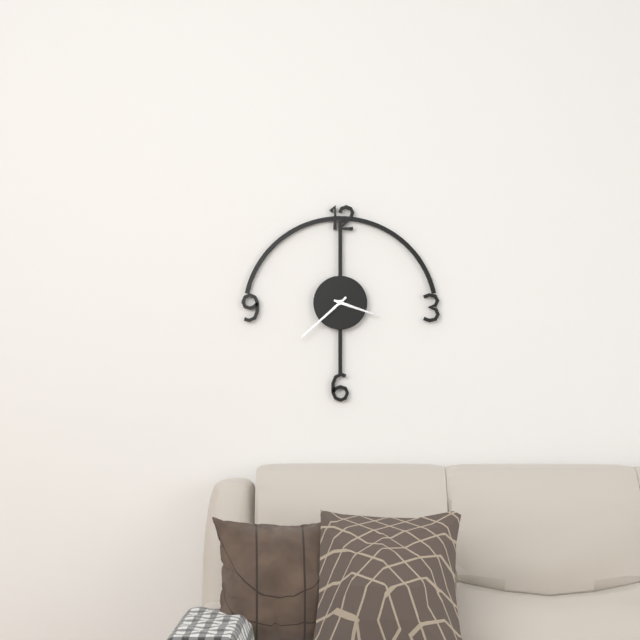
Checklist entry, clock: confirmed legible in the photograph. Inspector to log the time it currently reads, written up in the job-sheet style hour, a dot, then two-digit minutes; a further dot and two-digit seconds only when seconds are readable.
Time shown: 3.38
